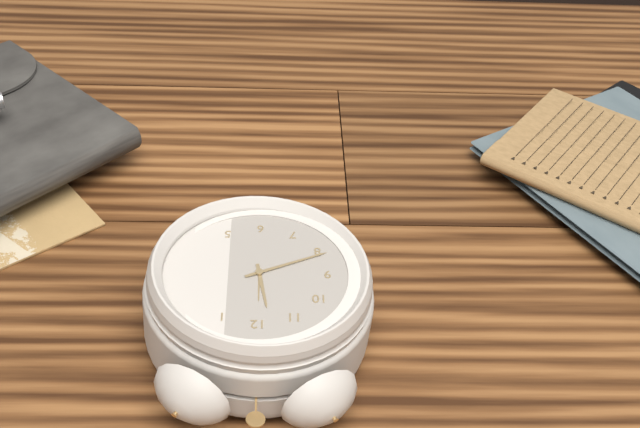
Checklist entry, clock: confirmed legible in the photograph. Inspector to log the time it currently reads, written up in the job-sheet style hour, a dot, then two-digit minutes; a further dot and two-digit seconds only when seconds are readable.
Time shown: 11.41
